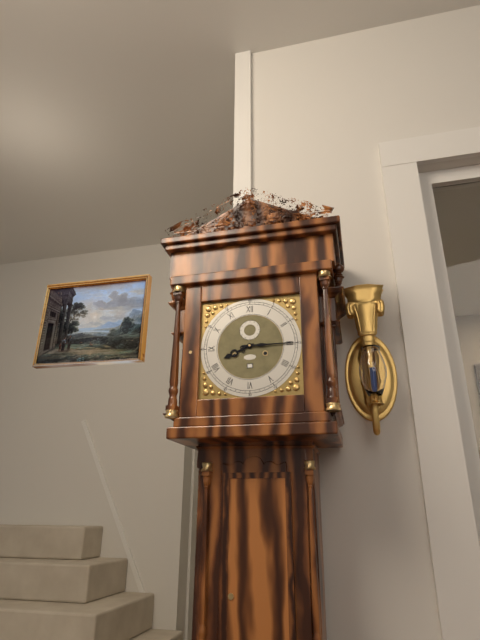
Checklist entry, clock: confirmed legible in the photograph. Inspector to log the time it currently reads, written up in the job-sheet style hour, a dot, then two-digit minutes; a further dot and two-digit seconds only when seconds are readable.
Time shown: 8.15
